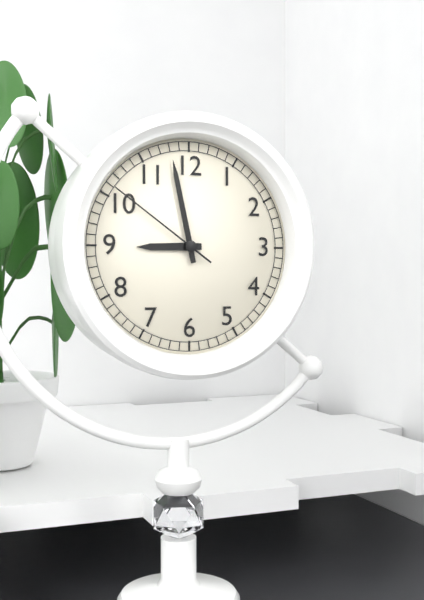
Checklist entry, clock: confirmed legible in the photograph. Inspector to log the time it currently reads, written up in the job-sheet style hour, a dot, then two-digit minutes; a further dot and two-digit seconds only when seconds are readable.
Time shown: 8.58.51
